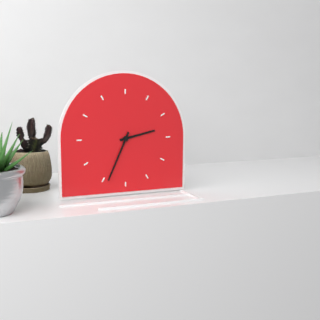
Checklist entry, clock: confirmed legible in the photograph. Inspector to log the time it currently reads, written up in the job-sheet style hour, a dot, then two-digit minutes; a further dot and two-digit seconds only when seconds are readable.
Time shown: 2.34
